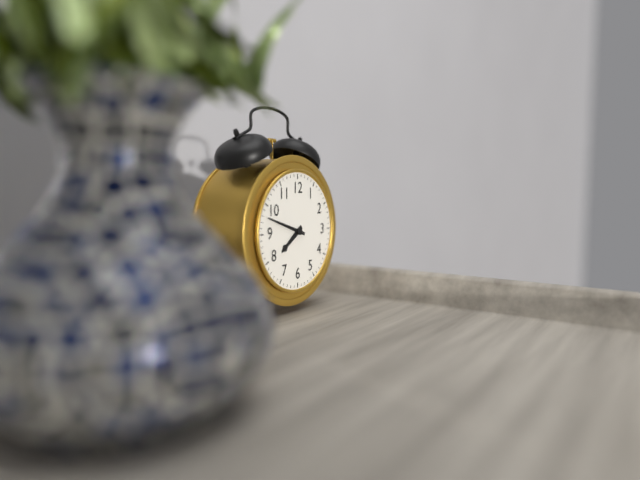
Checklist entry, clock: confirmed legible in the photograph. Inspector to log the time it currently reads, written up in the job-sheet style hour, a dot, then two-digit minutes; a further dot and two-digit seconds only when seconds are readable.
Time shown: 7.48
